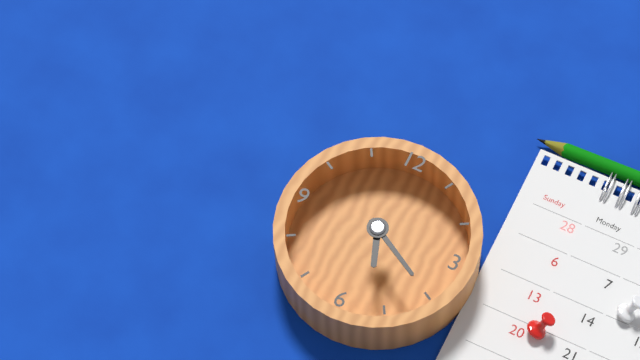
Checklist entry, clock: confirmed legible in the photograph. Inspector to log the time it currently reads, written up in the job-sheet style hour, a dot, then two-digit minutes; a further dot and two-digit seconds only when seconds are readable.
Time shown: 5.20
